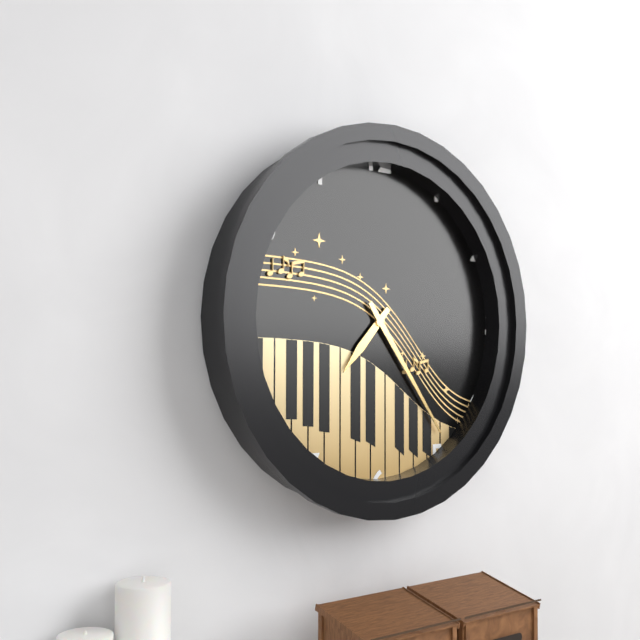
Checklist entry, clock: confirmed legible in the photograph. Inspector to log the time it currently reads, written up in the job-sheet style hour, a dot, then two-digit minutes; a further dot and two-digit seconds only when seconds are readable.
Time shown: 7.24
